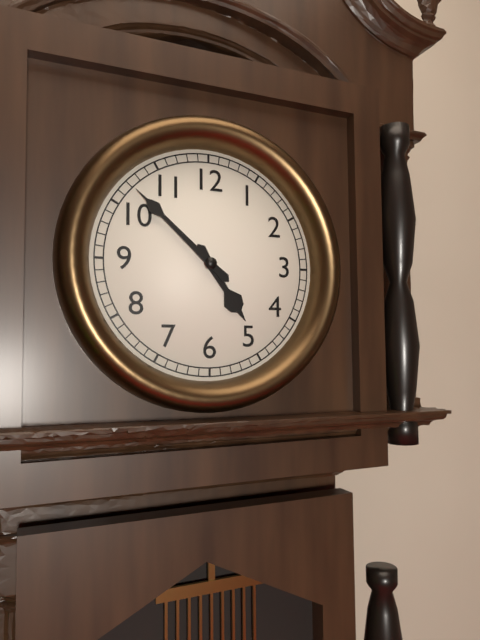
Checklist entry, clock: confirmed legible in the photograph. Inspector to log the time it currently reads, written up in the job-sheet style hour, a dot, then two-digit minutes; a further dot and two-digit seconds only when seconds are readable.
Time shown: 4.52
